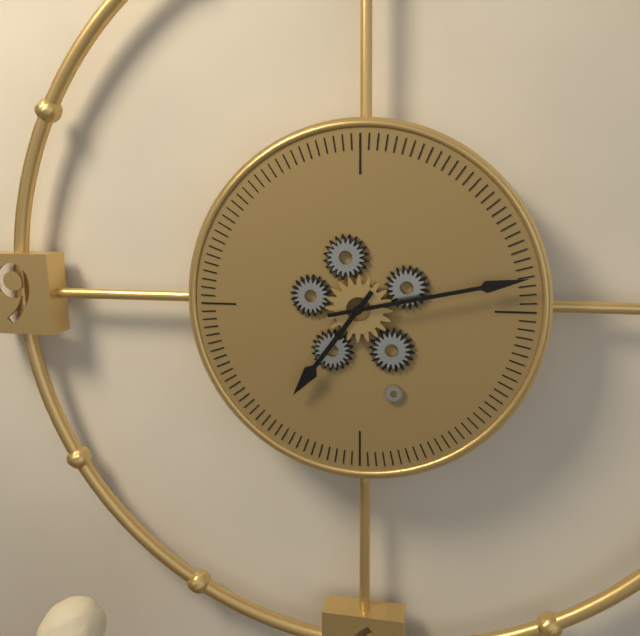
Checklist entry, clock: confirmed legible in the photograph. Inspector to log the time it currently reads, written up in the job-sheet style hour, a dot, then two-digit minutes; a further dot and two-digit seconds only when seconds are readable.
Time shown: 7.13
